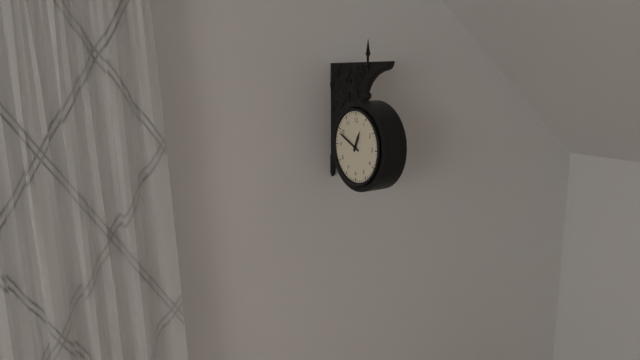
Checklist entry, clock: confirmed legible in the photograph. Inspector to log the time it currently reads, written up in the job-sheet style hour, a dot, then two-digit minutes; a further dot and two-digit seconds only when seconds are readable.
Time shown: 12.49
